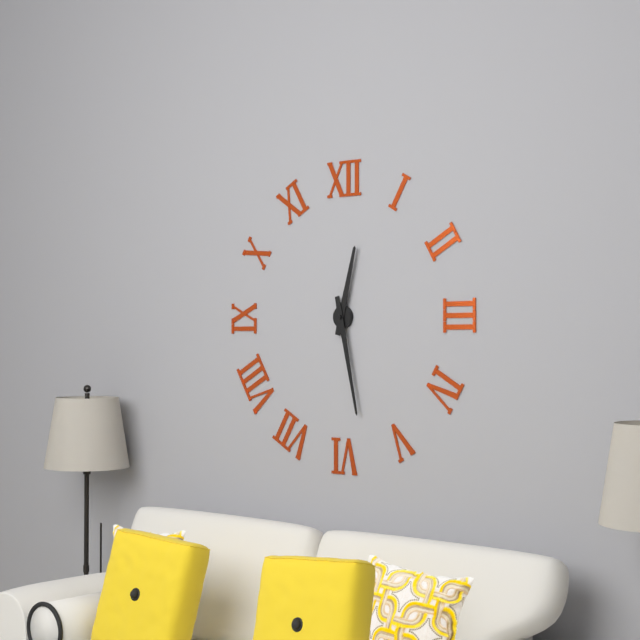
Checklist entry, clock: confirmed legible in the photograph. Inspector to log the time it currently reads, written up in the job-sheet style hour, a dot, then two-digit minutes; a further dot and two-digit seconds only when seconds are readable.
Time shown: 12.28
